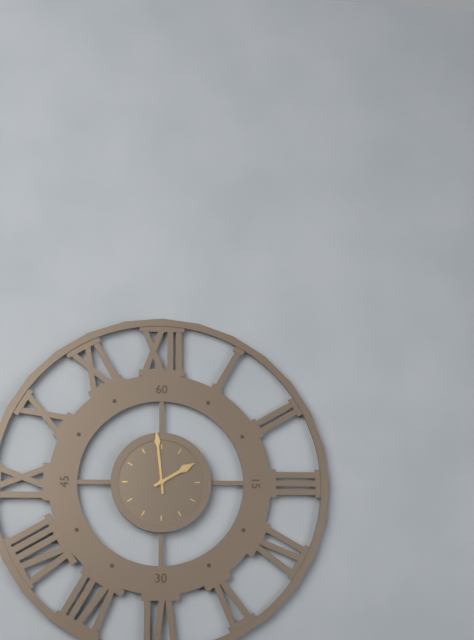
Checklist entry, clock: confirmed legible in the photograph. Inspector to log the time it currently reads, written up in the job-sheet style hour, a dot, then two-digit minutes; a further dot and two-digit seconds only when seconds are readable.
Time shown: 1.59
